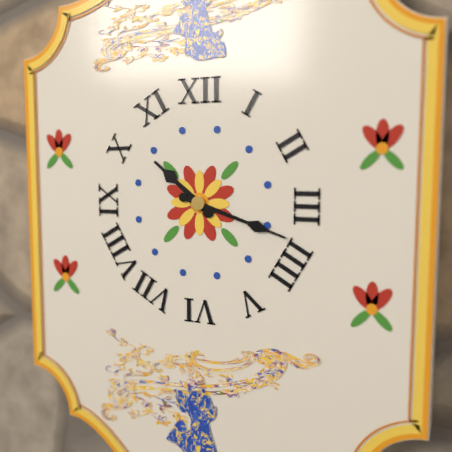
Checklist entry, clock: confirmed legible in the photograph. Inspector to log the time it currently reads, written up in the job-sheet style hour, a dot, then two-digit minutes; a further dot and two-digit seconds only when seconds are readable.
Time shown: 10.18
